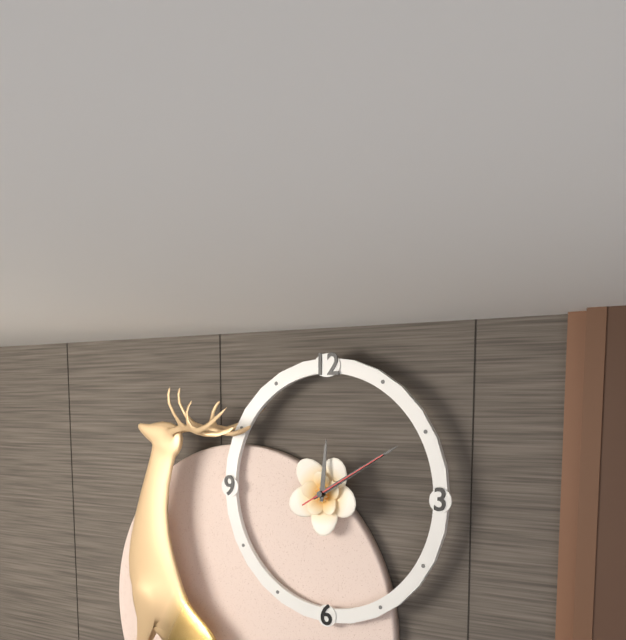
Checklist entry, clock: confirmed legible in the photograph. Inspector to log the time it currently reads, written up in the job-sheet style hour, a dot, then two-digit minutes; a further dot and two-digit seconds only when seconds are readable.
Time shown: 12.10.10
